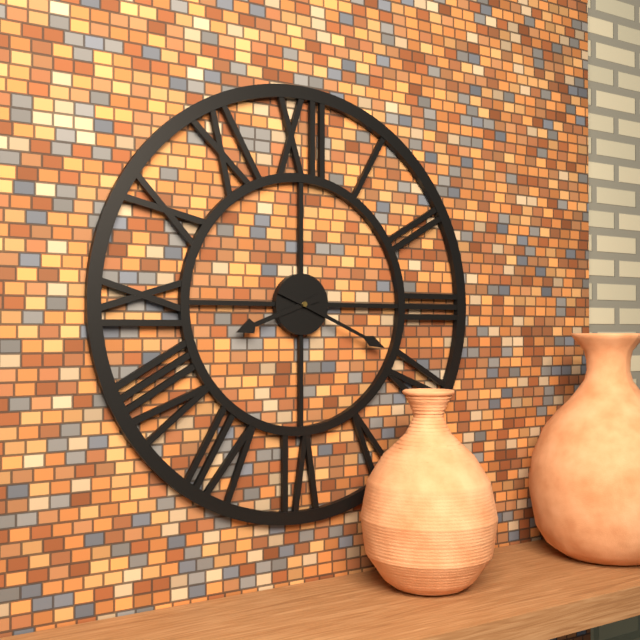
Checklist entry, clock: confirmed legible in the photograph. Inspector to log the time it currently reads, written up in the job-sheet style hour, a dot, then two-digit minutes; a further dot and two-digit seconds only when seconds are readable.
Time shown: 8.19
